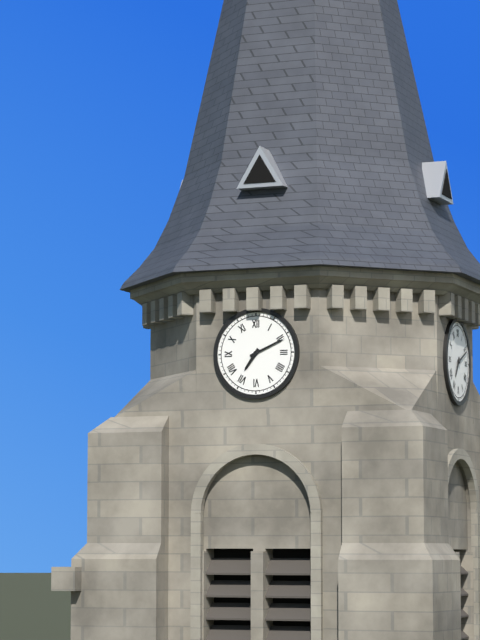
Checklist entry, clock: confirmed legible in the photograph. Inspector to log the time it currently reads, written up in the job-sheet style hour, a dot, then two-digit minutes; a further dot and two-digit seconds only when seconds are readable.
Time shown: 7.11
